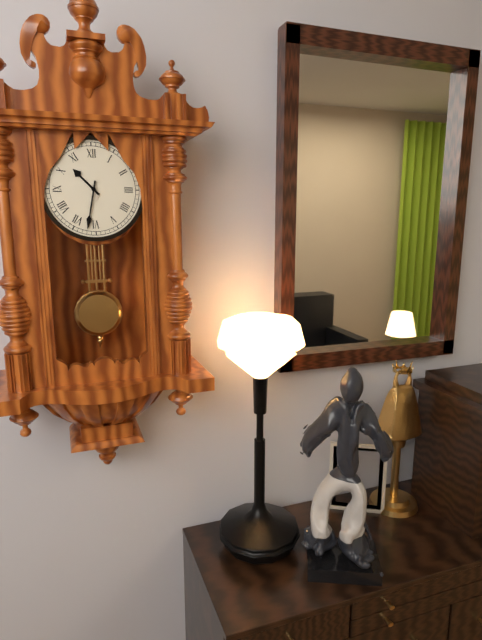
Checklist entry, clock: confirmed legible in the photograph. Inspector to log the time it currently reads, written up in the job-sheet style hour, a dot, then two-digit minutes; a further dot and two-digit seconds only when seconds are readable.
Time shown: 10.32
